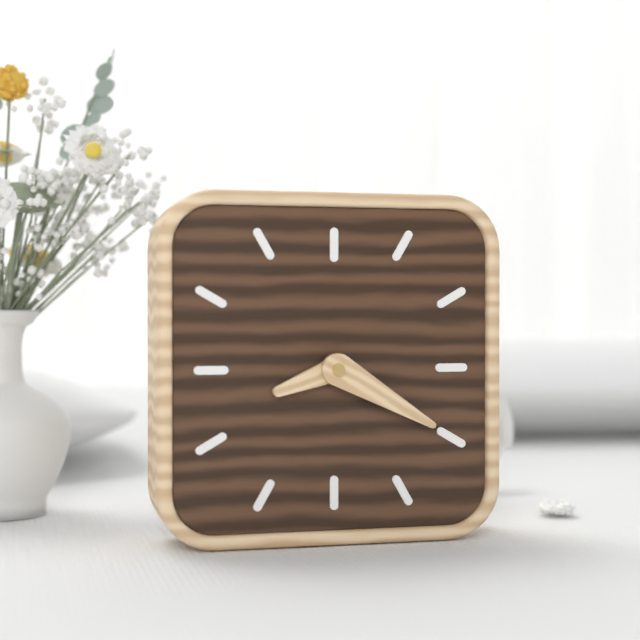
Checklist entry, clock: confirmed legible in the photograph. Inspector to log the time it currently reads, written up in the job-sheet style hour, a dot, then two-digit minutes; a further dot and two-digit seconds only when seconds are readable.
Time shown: 8.20
